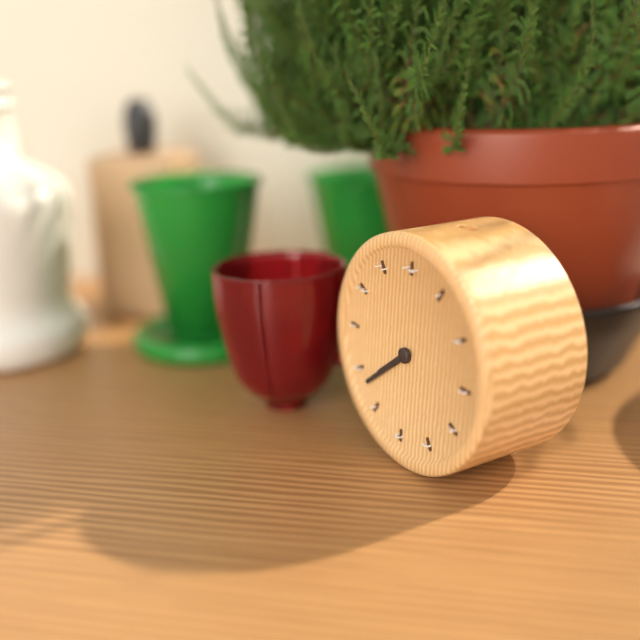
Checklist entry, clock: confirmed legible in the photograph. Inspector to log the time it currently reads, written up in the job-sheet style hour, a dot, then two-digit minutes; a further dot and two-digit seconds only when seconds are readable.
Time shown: 7.38
